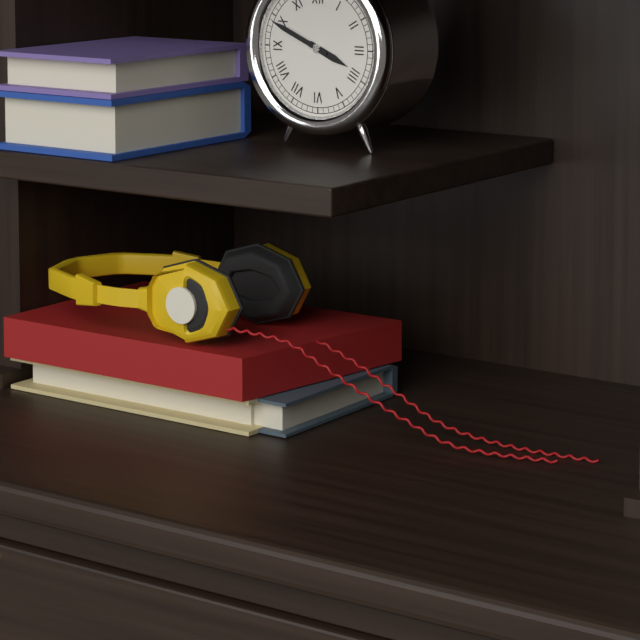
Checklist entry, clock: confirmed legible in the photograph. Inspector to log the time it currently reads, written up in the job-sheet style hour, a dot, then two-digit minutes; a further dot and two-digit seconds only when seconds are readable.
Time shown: 3.49
